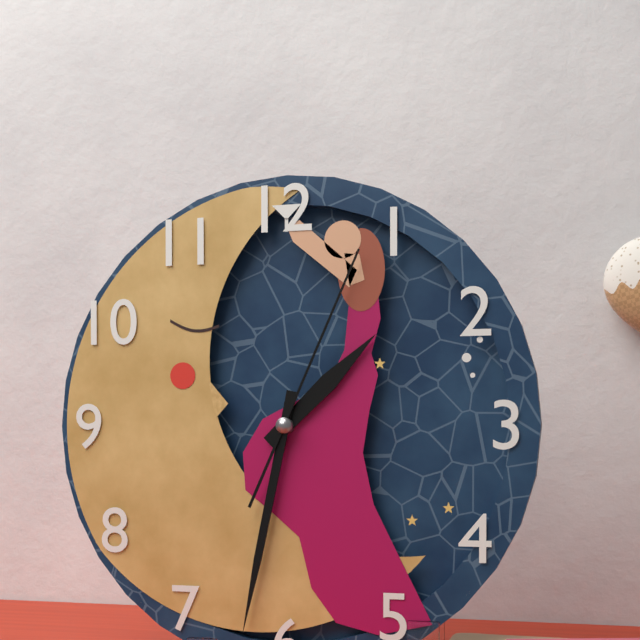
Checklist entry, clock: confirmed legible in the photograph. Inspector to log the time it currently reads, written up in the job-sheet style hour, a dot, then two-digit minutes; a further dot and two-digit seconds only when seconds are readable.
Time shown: 1.32.04
